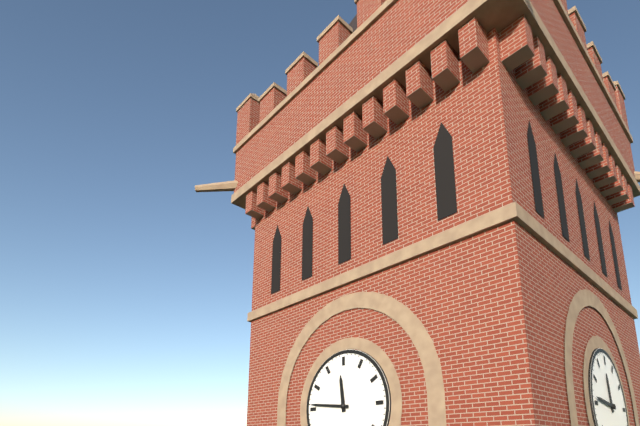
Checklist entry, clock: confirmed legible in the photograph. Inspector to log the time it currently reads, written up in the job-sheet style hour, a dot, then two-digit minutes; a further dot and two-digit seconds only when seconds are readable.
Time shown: 11.46
